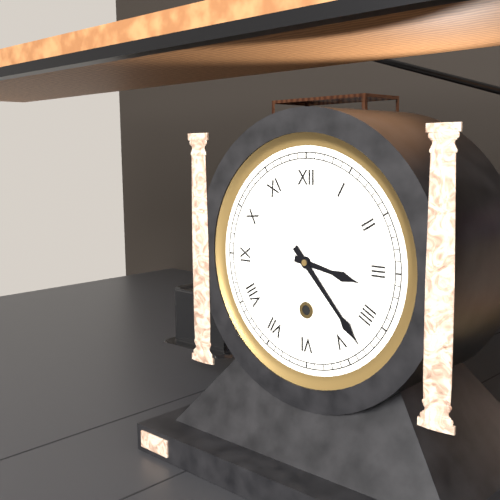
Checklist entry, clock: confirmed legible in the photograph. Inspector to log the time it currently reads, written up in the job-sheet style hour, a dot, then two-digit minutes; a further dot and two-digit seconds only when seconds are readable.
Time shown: 3.23
